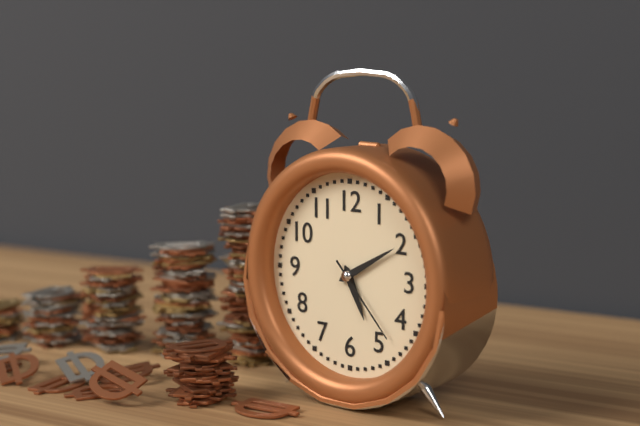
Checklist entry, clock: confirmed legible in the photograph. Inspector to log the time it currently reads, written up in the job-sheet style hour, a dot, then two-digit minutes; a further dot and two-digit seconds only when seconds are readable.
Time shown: 5.10.23
